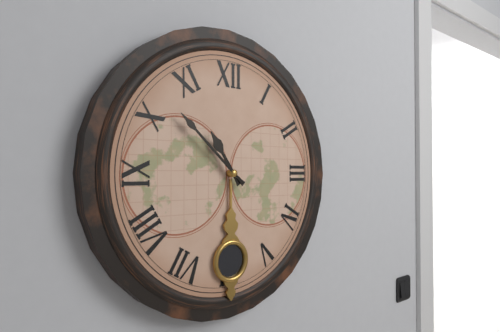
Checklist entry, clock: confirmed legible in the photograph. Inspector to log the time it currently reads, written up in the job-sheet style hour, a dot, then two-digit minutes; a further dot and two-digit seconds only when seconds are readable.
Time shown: 10.52
